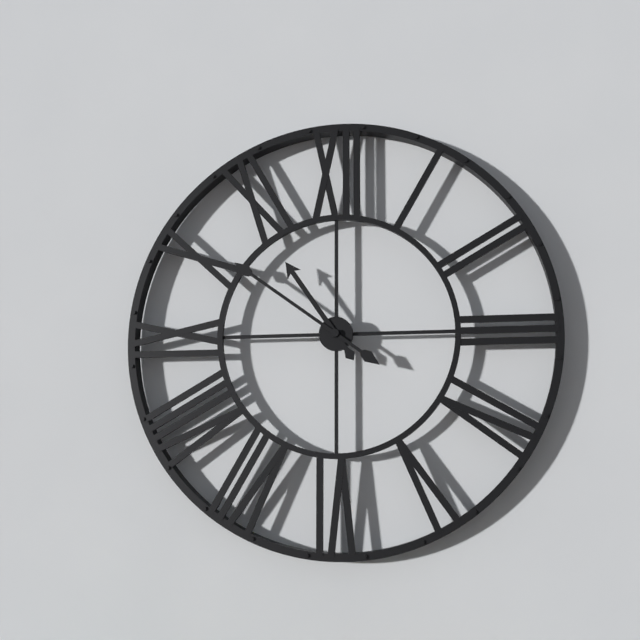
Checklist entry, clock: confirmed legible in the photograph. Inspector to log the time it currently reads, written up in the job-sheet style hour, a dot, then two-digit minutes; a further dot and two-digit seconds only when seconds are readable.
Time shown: 10.51
